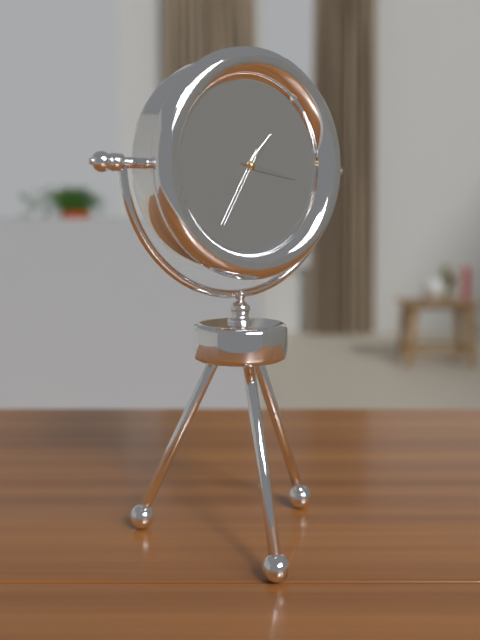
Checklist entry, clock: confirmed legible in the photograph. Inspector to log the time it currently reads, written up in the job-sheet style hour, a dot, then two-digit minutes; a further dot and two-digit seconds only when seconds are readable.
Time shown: 1.17.35
